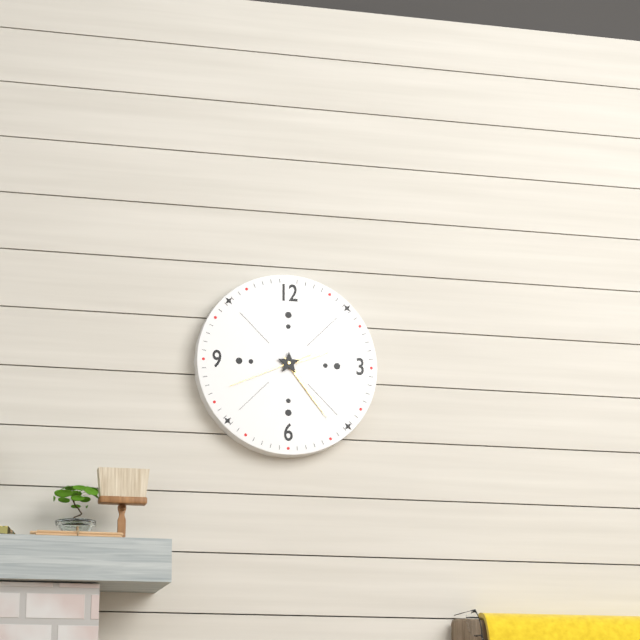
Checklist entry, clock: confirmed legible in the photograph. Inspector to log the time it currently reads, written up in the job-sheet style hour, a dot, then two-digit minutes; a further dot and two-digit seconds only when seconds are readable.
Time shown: 2.24.41
